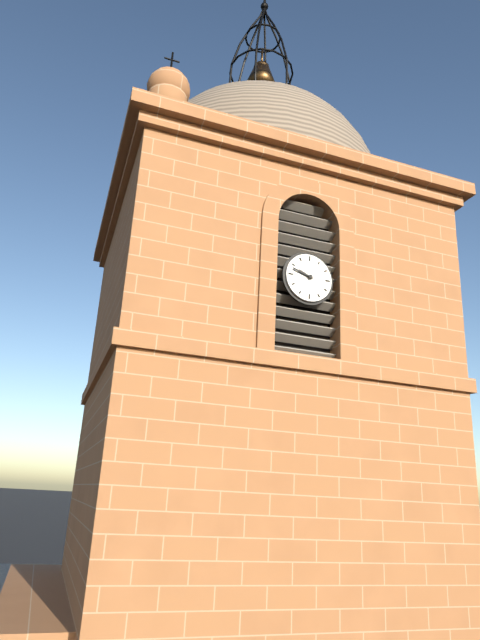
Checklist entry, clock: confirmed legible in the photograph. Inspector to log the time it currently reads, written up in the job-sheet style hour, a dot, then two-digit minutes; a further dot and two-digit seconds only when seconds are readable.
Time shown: 9.48
